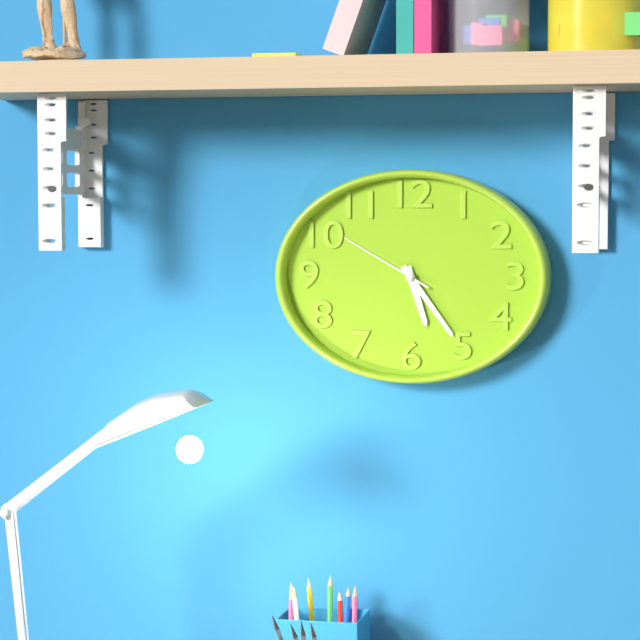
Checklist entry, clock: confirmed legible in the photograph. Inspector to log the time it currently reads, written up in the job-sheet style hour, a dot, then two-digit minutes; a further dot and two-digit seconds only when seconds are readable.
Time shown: 5.24.50
